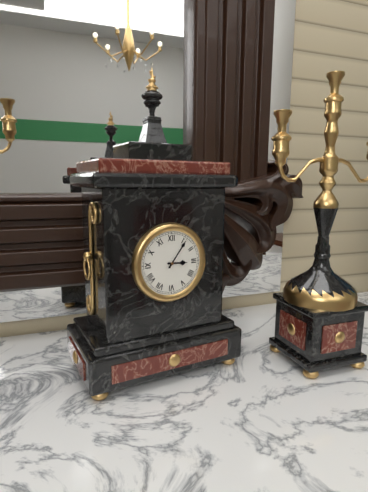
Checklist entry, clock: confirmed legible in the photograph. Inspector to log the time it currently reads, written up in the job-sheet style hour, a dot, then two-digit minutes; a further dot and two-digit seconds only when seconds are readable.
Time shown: 3.06
